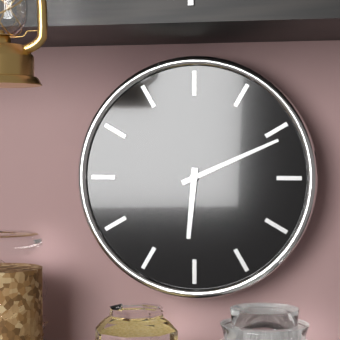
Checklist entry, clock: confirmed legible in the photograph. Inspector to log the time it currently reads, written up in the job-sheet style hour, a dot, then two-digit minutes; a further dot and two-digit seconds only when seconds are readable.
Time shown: 6.11
